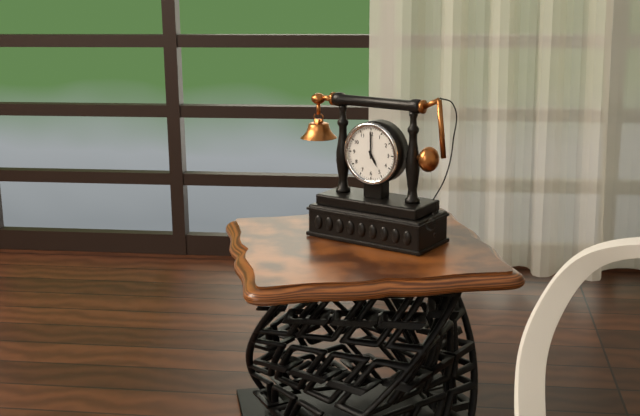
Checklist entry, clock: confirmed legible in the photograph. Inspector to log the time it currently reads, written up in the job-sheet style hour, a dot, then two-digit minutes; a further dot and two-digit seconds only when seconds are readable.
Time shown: 5.00
